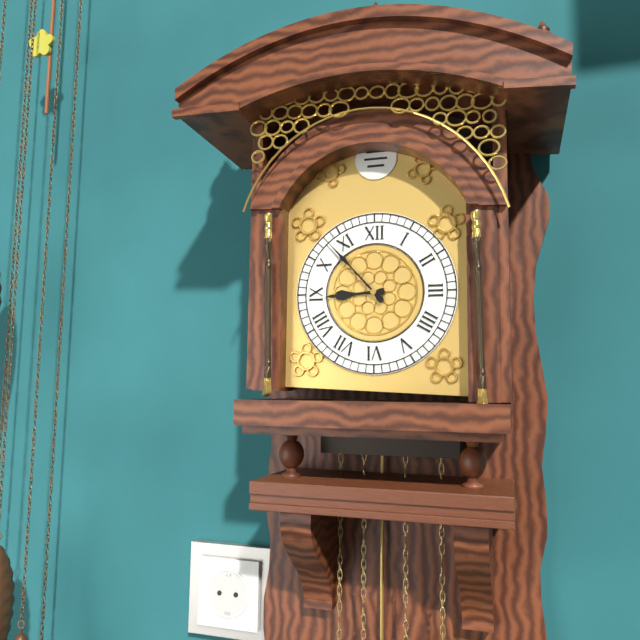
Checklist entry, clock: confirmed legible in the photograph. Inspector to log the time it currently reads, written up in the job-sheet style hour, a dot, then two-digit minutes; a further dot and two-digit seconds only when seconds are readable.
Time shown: 8.53
